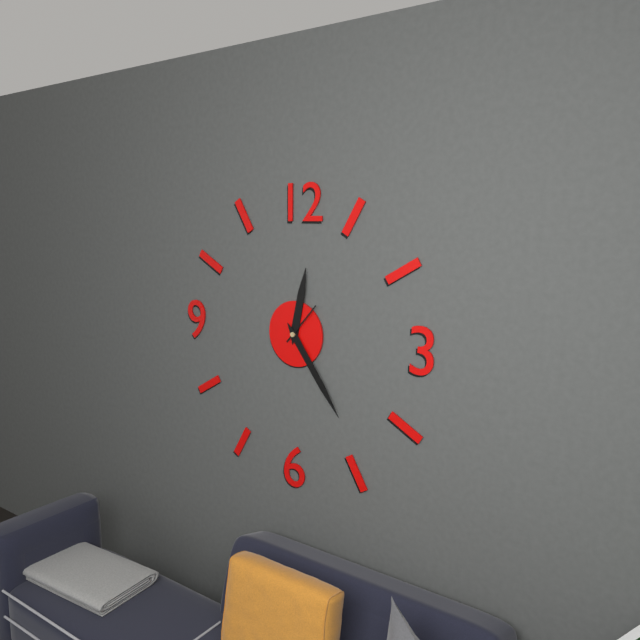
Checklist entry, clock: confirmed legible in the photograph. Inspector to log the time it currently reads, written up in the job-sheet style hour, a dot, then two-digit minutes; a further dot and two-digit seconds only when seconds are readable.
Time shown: 12.24
